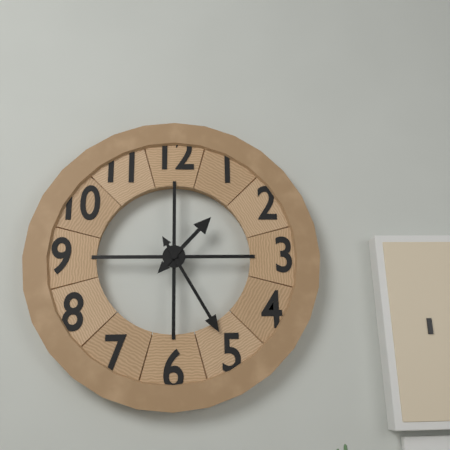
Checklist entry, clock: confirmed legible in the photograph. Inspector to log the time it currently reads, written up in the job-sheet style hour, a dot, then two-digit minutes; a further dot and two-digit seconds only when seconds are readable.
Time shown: 1.25
